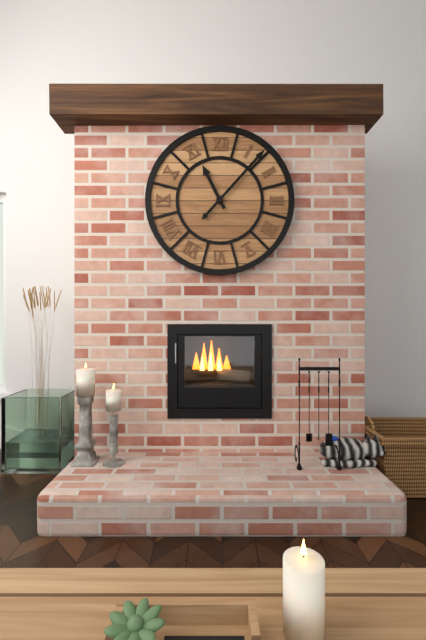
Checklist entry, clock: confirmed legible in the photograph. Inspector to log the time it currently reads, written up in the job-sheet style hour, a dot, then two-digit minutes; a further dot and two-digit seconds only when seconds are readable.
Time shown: 11.07
